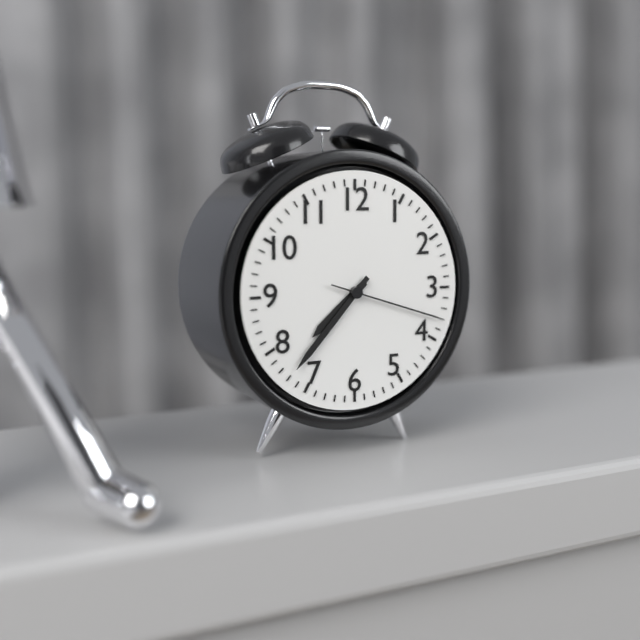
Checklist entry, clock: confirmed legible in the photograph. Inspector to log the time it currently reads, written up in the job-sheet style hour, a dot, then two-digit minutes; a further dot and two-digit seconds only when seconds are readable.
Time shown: 7.37.18
